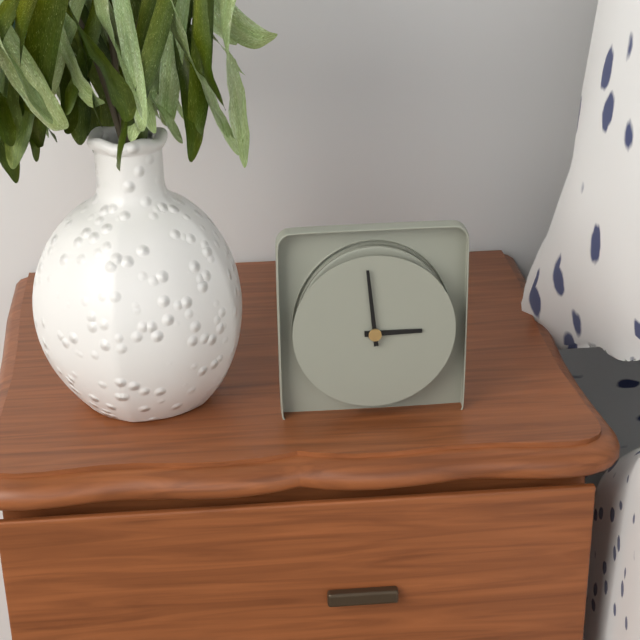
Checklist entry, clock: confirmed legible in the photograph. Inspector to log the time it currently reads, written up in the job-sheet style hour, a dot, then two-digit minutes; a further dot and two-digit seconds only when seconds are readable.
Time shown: 2.59
